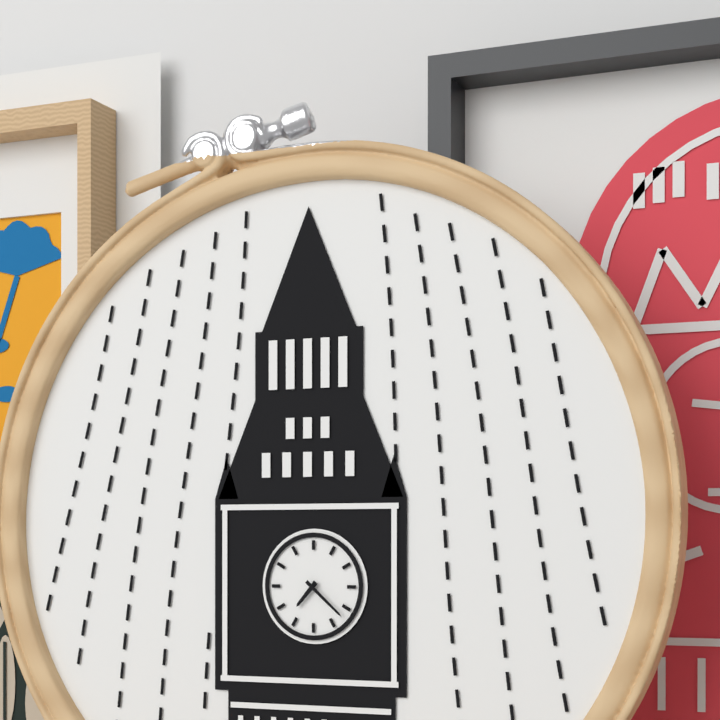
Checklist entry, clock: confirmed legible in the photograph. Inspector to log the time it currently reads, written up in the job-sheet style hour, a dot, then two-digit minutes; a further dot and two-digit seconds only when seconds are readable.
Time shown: 7.22
